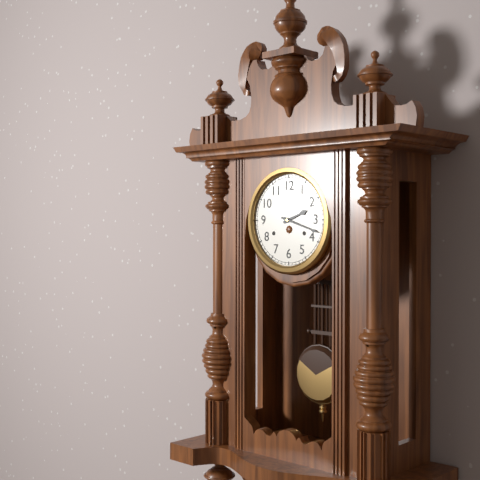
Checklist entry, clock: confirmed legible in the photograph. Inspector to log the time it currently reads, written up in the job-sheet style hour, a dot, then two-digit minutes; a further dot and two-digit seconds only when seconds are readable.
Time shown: 2.18
